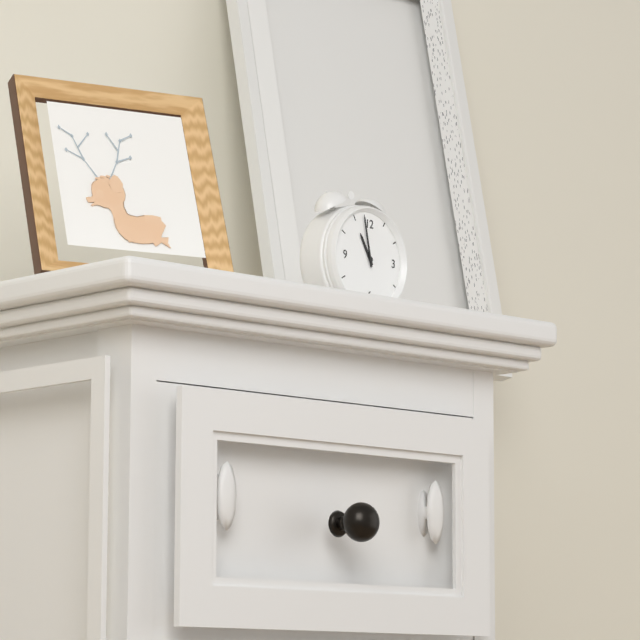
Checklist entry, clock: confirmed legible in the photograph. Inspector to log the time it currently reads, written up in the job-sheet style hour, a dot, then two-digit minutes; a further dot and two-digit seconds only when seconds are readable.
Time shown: 10.58
